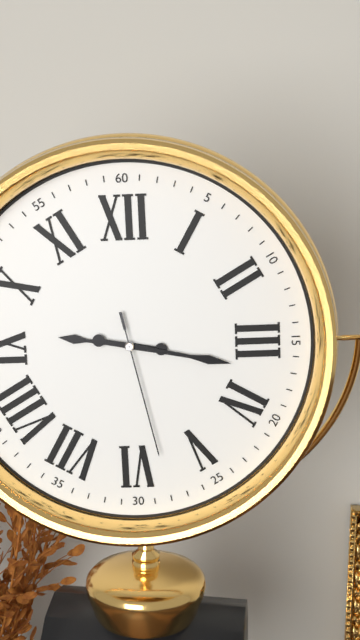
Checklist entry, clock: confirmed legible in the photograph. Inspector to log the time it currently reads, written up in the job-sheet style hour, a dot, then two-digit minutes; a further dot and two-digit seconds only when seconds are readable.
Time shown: 9.17.28
